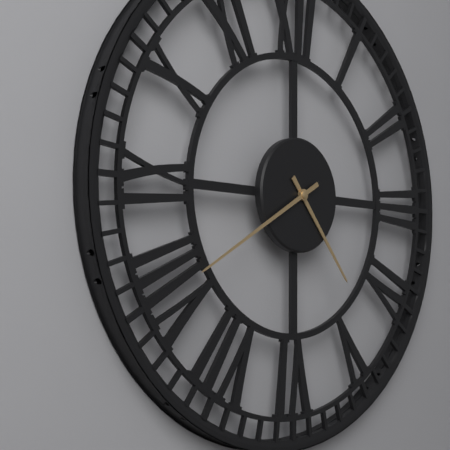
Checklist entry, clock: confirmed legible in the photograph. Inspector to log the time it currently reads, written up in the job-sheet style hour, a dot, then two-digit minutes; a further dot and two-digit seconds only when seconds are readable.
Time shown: 4.40
